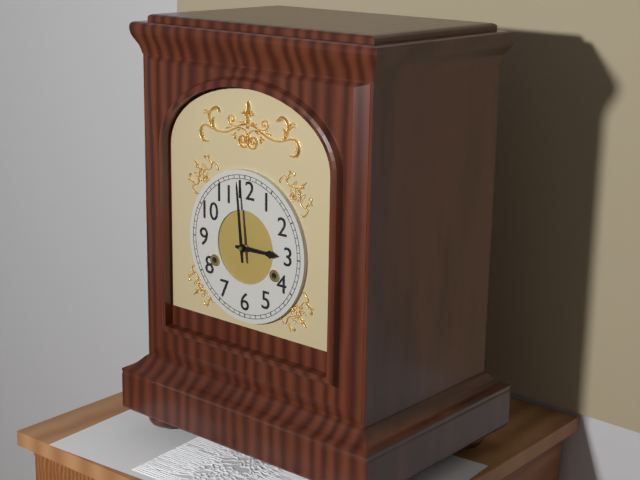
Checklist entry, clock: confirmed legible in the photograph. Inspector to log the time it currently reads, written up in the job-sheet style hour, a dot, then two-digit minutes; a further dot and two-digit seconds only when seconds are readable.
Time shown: 2.59
